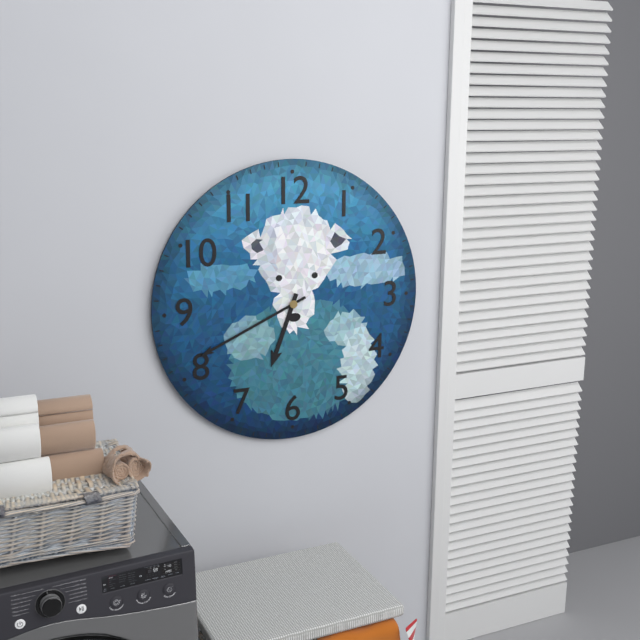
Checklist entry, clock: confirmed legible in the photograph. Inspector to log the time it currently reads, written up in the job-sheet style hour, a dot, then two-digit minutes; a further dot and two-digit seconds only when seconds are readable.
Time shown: 6.41
